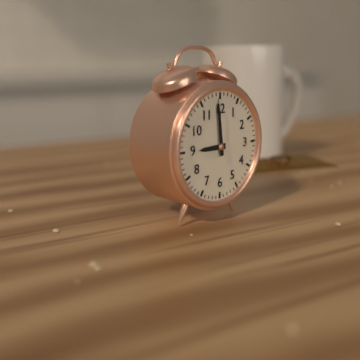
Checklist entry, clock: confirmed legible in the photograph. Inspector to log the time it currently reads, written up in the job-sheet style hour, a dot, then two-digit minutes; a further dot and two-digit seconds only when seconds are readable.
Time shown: 8.59
